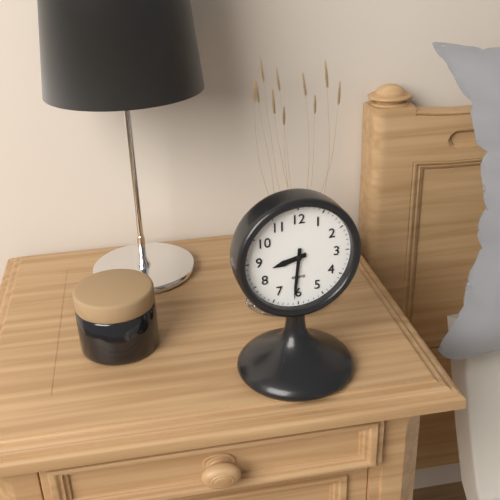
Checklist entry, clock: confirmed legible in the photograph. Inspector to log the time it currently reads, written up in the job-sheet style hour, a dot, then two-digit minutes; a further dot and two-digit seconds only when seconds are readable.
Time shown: 8.31
